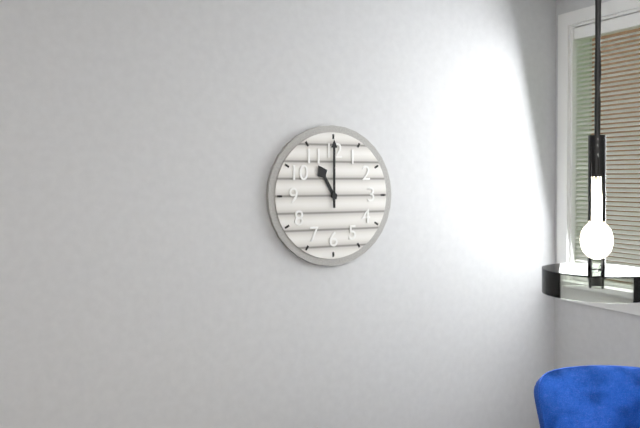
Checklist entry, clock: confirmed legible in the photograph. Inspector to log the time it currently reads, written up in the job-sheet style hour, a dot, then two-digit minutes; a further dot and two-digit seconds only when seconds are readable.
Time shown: 11.00
